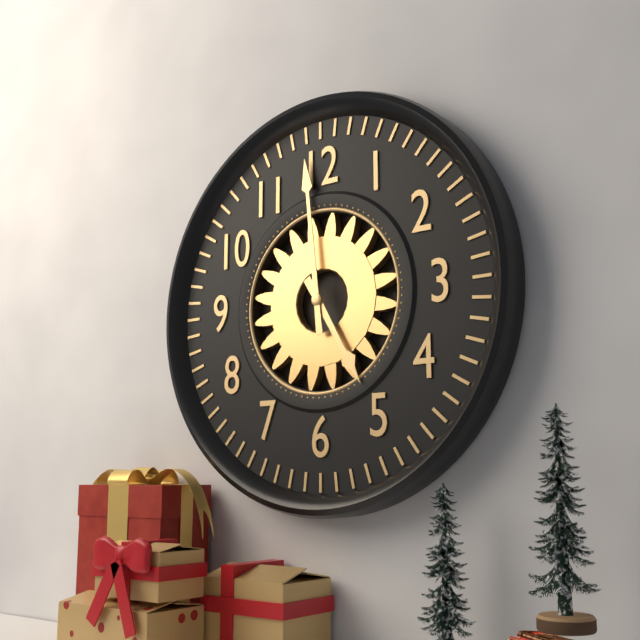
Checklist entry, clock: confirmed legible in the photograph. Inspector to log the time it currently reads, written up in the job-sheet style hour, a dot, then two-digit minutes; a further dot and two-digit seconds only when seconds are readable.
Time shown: 4.59
